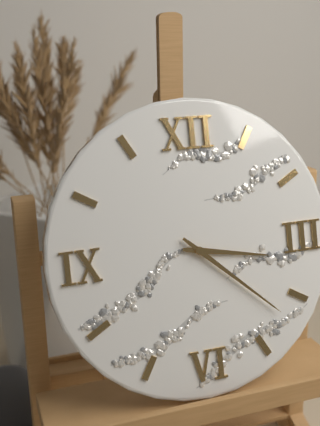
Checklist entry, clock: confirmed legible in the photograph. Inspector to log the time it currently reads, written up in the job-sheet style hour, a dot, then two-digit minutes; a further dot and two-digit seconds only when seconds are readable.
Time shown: 3.22
